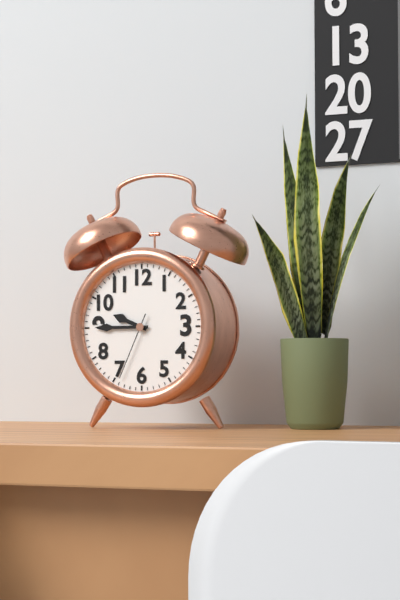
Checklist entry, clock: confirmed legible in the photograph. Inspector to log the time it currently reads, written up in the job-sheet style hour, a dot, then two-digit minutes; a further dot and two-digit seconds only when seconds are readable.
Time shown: 9.45.34
